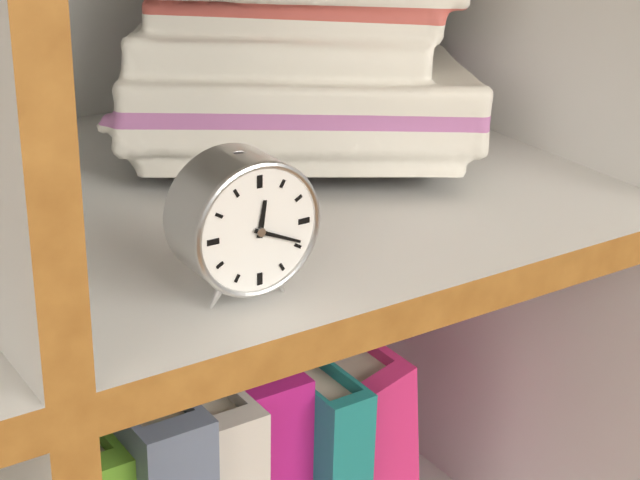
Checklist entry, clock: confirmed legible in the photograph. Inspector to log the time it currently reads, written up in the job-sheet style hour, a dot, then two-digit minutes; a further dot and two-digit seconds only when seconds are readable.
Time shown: 12.19
